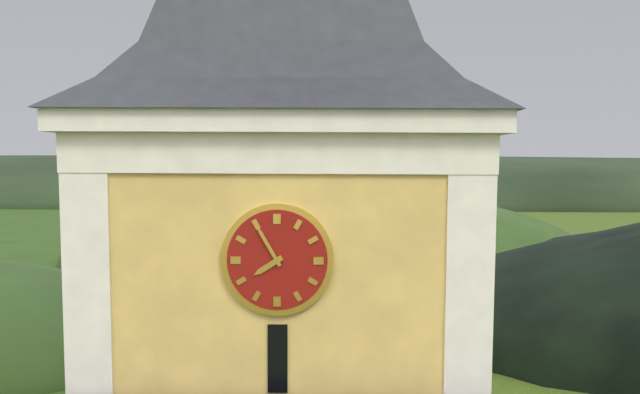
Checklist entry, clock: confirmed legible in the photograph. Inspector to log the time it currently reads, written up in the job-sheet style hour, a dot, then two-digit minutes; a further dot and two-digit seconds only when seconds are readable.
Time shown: 7.55
